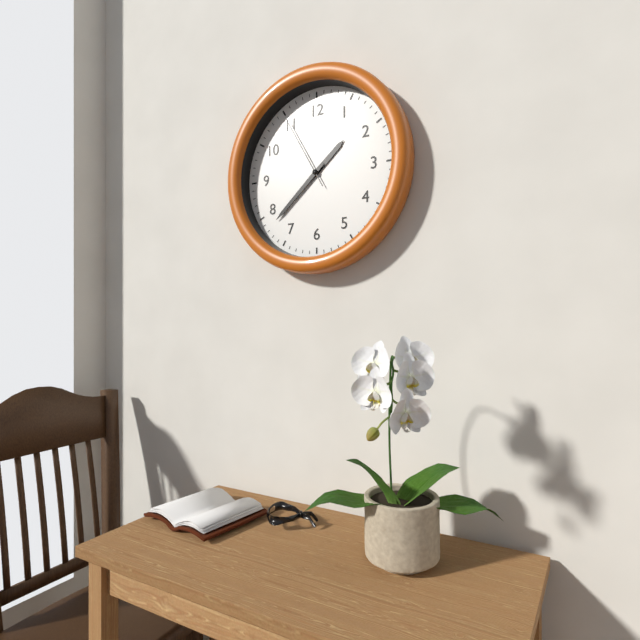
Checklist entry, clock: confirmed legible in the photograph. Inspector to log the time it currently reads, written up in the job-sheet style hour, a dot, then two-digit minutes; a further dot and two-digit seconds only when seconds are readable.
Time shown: 1.38.55
